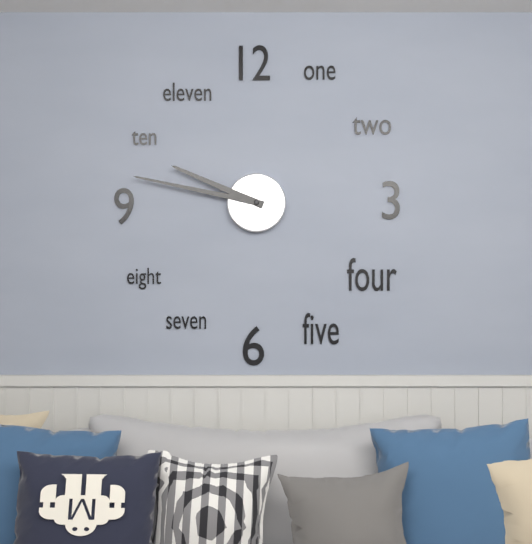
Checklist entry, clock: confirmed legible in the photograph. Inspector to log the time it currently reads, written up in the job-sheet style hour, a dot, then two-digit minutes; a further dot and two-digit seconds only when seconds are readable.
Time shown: 9.47
